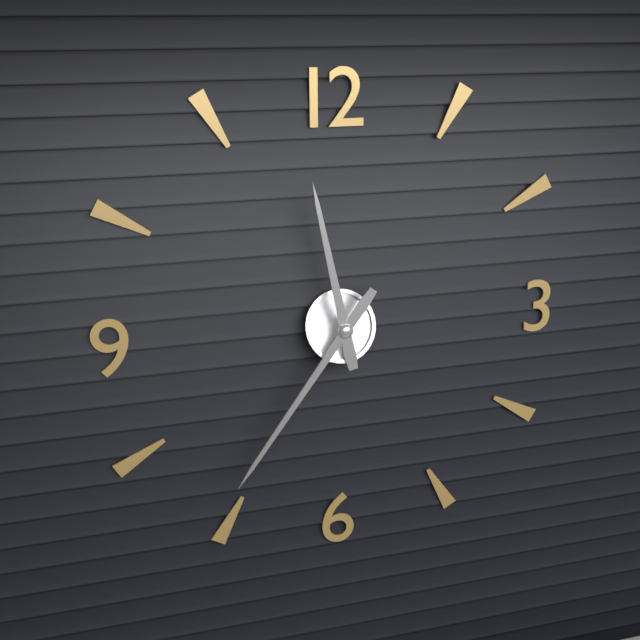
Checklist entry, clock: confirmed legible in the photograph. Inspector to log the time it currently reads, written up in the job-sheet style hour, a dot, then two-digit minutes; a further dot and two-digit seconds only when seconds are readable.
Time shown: 11.36
